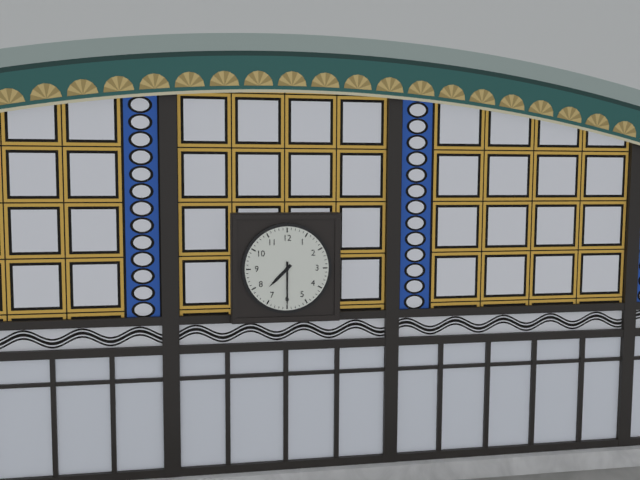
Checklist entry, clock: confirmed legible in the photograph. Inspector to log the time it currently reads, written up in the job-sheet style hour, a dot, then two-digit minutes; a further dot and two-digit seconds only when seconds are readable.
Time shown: 7.30
